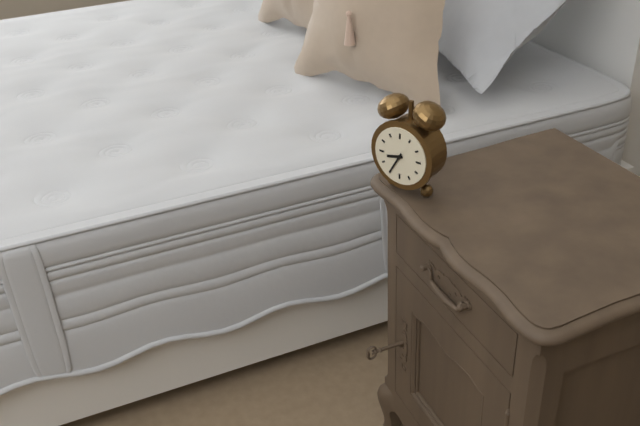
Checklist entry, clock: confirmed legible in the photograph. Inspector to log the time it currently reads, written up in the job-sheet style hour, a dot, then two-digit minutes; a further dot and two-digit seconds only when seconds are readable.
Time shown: 8.35
